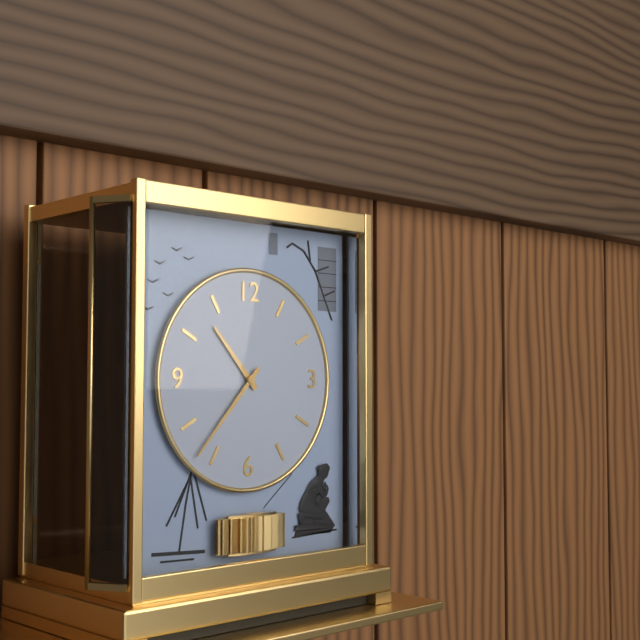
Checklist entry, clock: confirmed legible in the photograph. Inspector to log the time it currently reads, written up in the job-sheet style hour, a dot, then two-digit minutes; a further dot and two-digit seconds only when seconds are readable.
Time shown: 10.37
